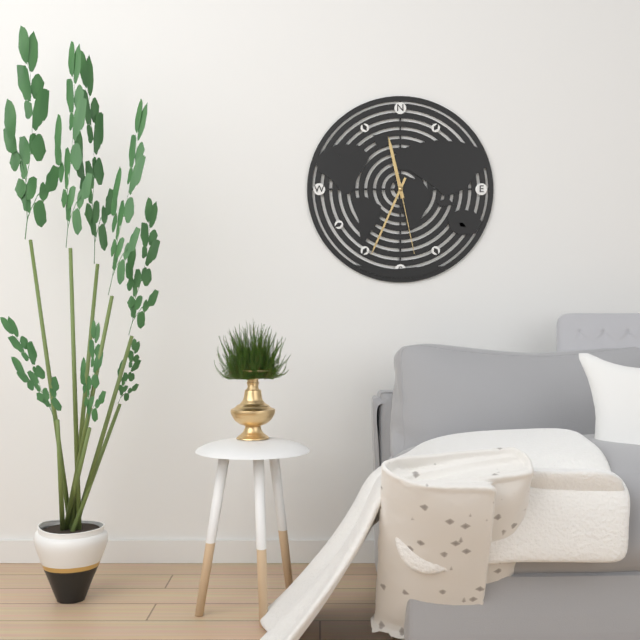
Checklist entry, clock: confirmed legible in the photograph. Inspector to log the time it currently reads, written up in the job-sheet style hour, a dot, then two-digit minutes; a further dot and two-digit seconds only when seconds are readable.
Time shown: 11.34.28
